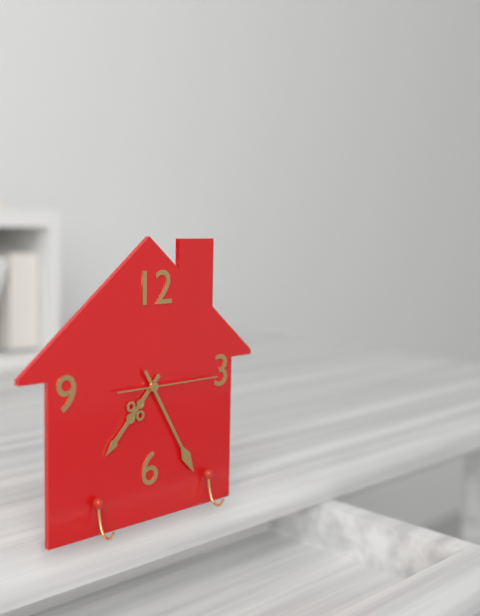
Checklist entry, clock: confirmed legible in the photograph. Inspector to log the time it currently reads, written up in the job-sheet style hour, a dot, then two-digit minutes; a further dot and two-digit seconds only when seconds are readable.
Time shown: 7.25.15
